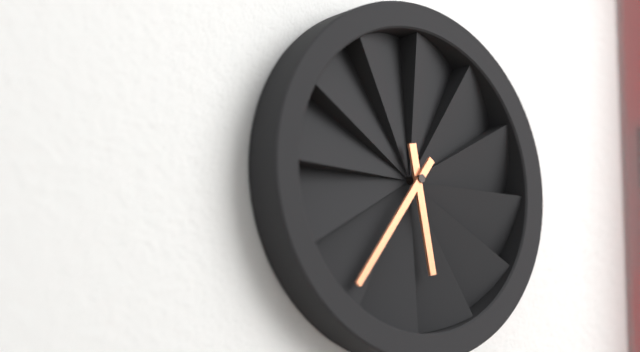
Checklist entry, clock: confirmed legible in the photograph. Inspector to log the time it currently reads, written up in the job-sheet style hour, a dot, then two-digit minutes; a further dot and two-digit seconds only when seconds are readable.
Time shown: 5.36
